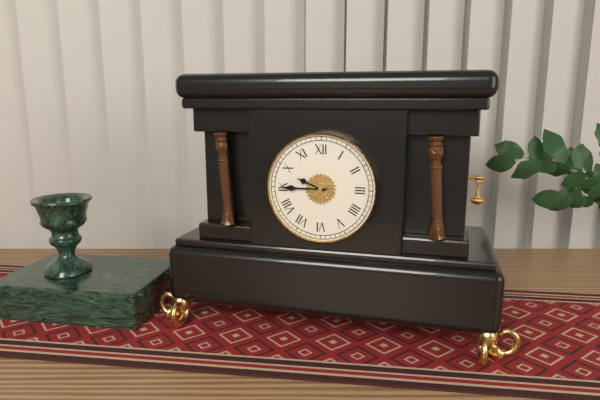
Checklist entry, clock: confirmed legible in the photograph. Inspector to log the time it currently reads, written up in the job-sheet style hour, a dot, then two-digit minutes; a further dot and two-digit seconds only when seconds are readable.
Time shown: 9.45
